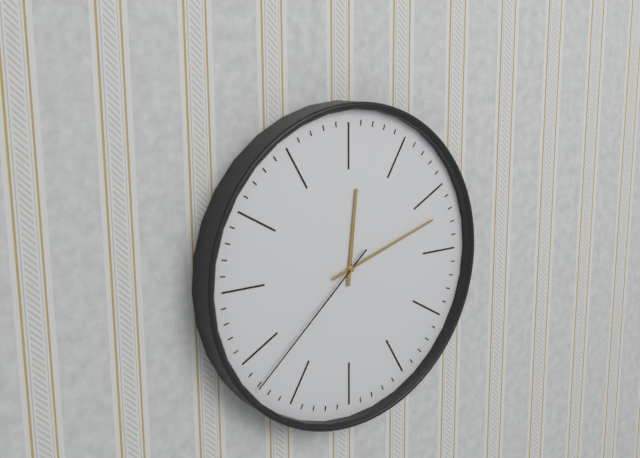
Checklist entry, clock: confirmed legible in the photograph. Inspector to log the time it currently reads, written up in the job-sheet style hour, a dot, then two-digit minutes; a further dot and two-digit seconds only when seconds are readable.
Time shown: 12.12.38
